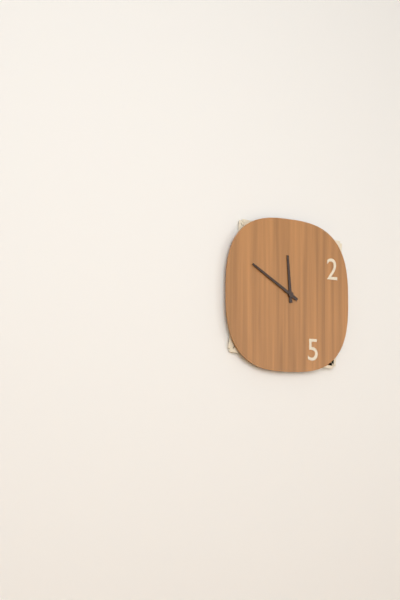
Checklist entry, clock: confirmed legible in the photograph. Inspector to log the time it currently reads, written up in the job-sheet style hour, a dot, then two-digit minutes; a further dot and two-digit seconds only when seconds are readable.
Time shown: 11.50
